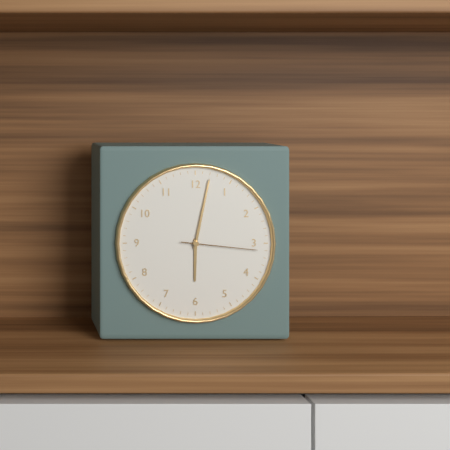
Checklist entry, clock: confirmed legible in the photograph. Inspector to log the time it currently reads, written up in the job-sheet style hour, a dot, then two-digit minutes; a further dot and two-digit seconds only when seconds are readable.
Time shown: 6.02.16
